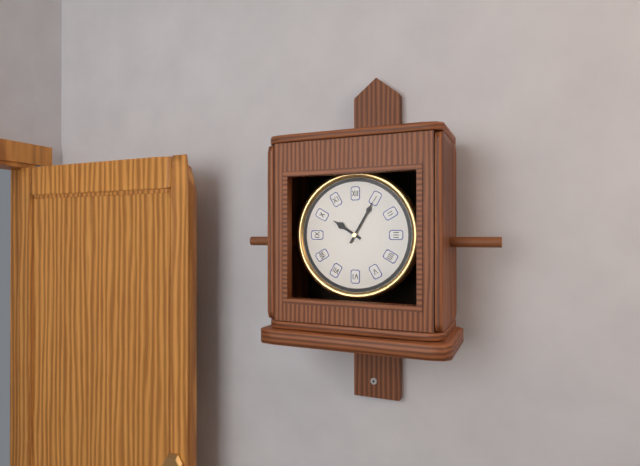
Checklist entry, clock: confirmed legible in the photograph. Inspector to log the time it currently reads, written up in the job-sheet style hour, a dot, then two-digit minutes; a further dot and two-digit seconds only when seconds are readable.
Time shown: 10.05
